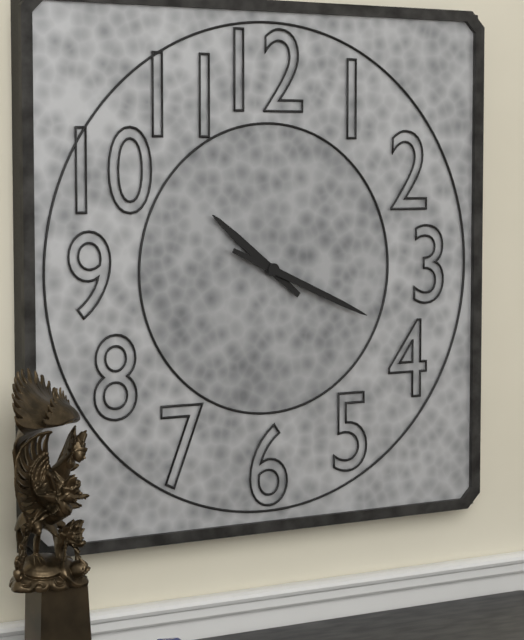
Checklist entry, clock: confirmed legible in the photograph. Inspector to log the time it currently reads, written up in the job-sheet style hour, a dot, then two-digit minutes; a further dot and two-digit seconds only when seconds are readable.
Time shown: 10.19
